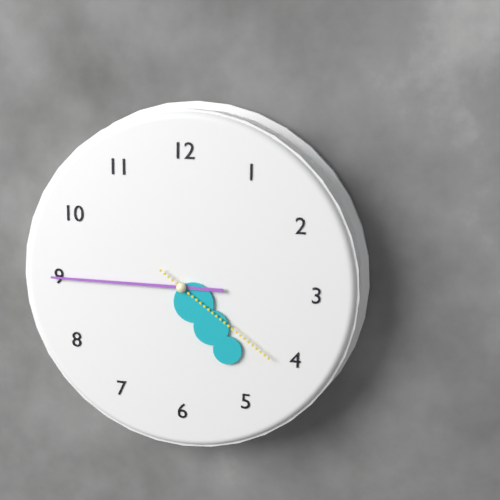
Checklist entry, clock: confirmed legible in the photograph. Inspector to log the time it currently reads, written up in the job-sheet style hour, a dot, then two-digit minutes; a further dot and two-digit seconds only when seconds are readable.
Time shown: 4.45.21
